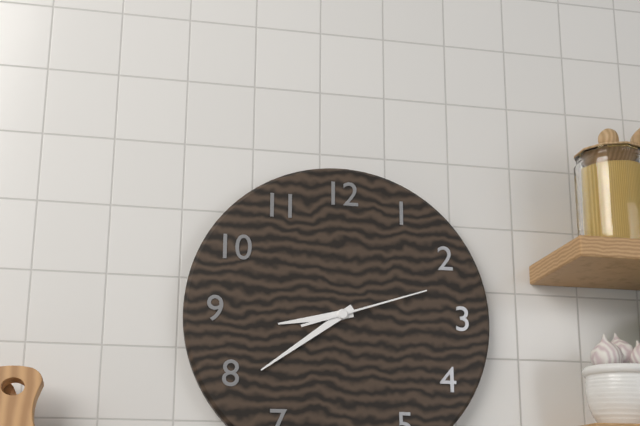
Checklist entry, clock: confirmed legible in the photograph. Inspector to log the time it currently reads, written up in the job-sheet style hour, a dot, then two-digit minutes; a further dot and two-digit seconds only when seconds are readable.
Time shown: 8.39.12
